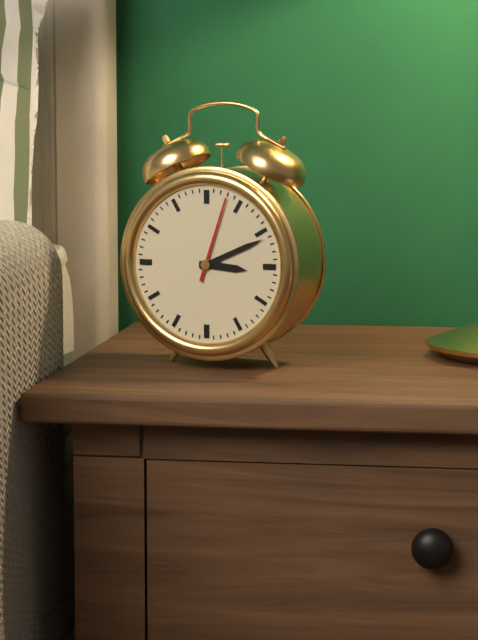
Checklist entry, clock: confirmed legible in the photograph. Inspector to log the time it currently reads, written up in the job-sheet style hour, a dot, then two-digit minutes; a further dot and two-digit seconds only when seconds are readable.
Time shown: 3.11.03
